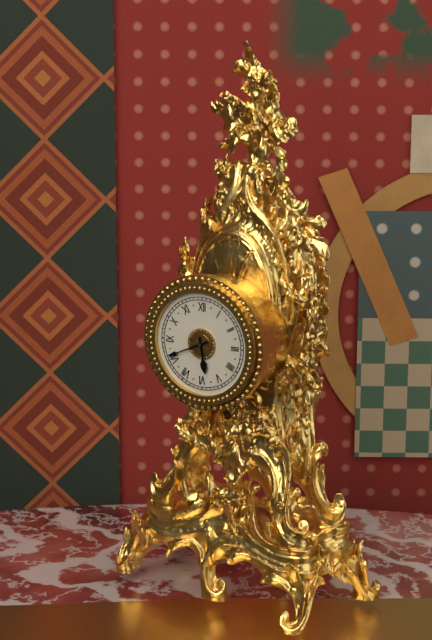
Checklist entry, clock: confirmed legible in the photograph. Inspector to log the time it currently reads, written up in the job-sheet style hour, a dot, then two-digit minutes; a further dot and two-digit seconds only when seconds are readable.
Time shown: 5.41
